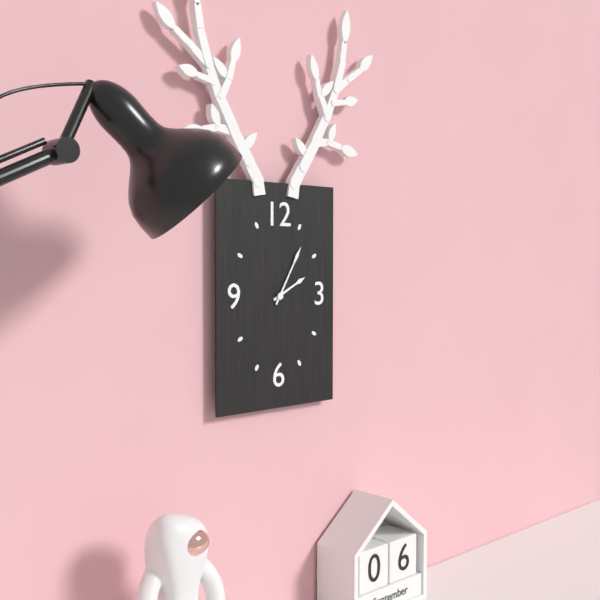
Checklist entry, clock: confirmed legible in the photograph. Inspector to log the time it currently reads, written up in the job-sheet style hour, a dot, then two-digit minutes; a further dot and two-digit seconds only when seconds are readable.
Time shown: 2.05
